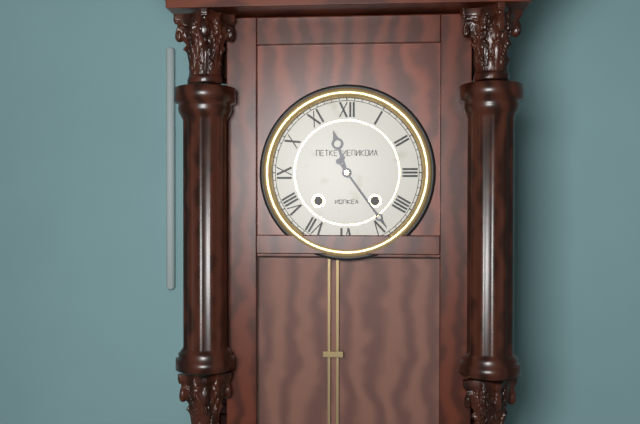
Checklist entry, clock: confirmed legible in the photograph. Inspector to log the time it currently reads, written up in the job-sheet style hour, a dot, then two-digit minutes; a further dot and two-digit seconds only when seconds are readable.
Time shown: 11.24
